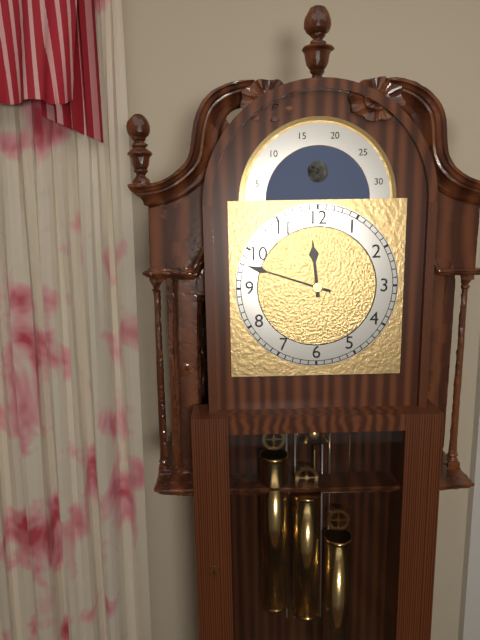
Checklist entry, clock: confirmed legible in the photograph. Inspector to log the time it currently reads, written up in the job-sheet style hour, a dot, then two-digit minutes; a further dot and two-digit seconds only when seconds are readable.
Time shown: 11.48
